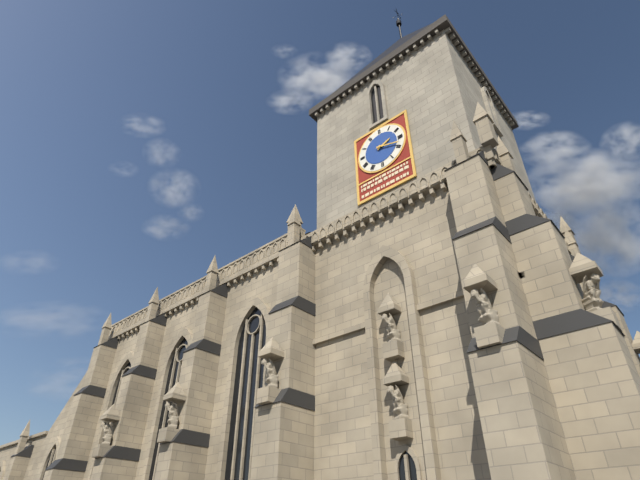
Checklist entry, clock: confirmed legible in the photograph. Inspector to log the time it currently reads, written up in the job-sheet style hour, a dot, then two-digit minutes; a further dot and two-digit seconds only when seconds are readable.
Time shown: 2.18
